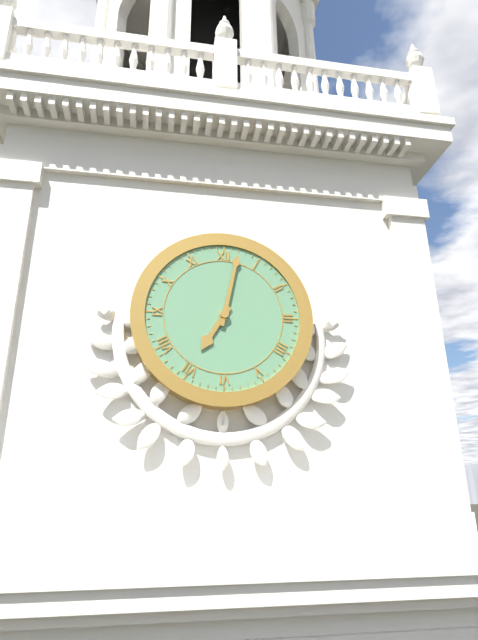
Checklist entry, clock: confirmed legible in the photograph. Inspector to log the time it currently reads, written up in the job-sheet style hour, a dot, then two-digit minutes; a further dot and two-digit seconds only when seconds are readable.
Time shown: 7.02
